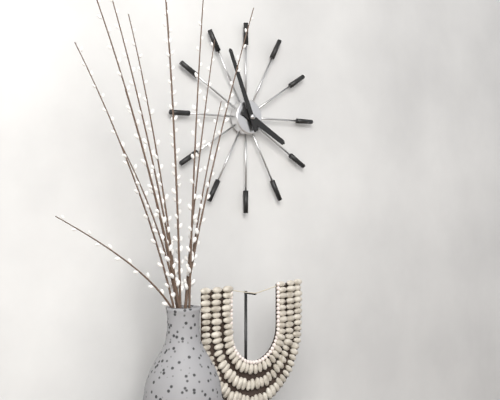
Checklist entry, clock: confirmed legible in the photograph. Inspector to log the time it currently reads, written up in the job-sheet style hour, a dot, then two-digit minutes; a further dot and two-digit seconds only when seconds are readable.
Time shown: 3.56
